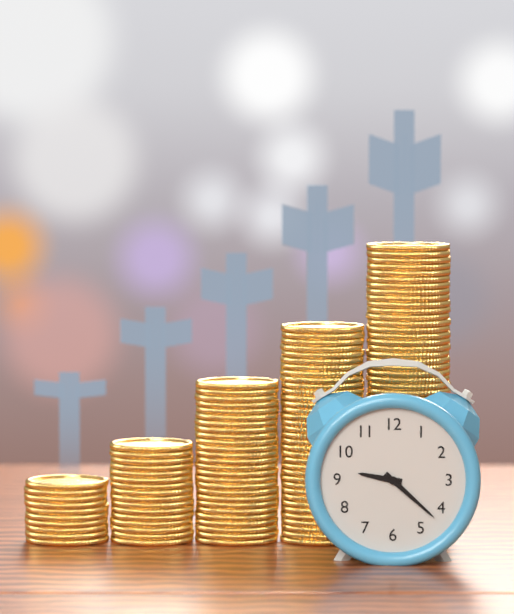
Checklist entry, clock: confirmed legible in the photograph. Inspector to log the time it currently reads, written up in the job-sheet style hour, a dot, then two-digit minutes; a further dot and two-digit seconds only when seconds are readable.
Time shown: 9.22
